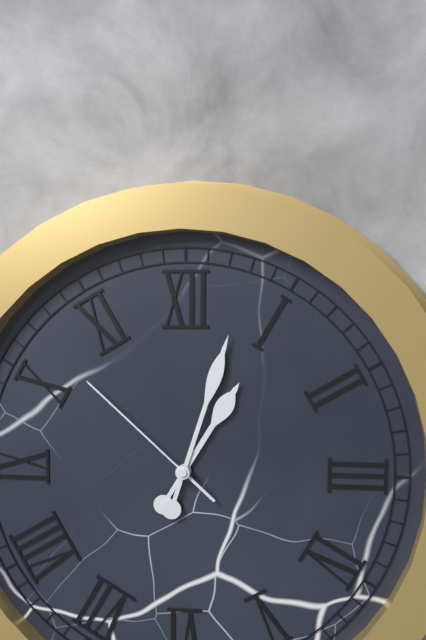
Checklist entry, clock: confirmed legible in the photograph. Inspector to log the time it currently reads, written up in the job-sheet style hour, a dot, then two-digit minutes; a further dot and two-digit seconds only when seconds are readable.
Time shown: 1.03.52
